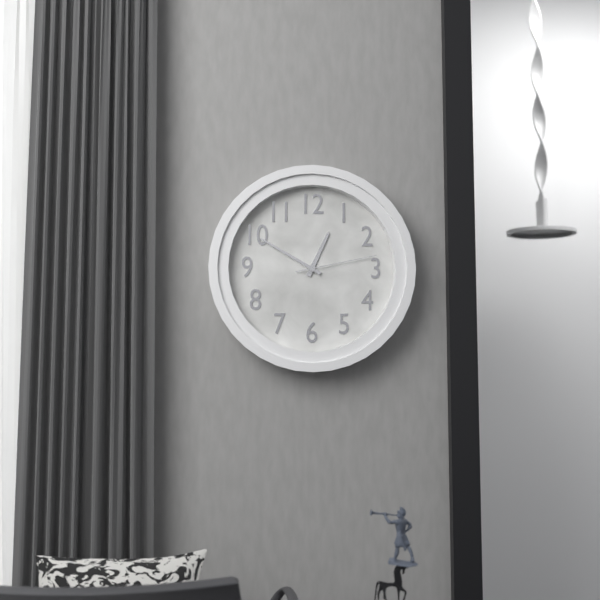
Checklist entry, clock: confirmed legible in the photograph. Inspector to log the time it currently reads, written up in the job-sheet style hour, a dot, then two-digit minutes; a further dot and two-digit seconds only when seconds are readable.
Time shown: 12.50.13
